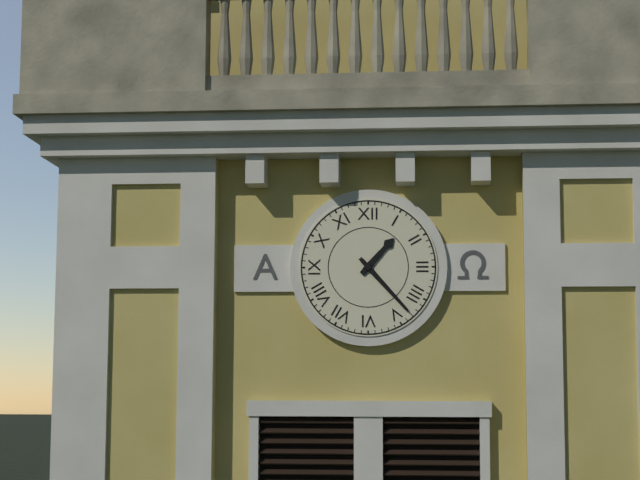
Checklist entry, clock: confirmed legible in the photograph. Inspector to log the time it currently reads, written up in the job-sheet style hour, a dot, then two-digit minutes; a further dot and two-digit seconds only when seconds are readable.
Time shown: 1.23
